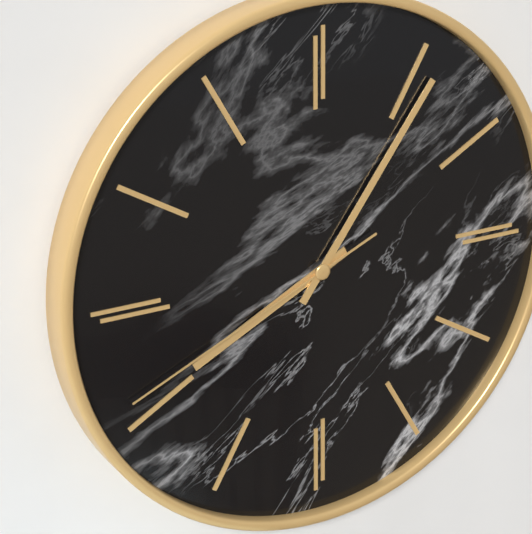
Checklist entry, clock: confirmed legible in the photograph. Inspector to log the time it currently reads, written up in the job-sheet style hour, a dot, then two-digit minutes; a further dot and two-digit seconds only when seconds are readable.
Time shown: 8.06.41
